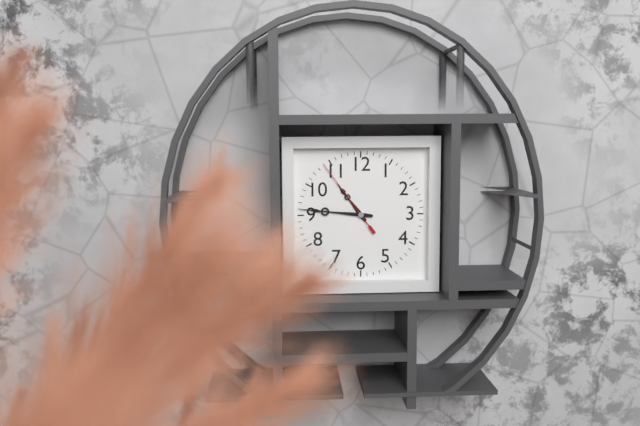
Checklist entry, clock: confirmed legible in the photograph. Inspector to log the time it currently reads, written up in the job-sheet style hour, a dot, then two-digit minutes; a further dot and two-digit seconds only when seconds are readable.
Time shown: 10.46.54
